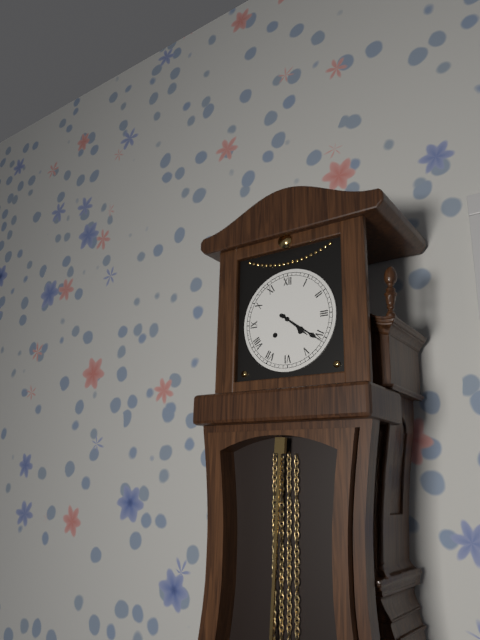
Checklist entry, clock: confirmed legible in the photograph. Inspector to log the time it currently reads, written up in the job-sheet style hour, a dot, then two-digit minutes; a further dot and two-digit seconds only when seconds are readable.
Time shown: 4.21
